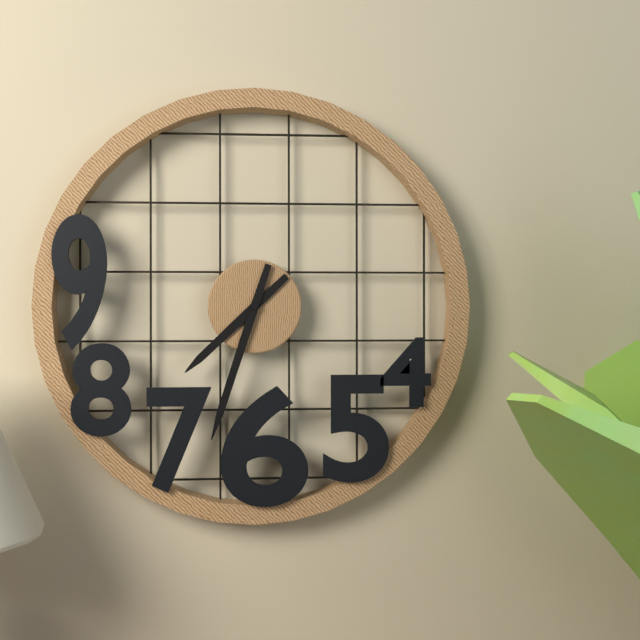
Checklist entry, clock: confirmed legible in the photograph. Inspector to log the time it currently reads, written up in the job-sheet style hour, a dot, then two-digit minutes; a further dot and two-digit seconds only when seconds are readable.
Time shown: 7.33
